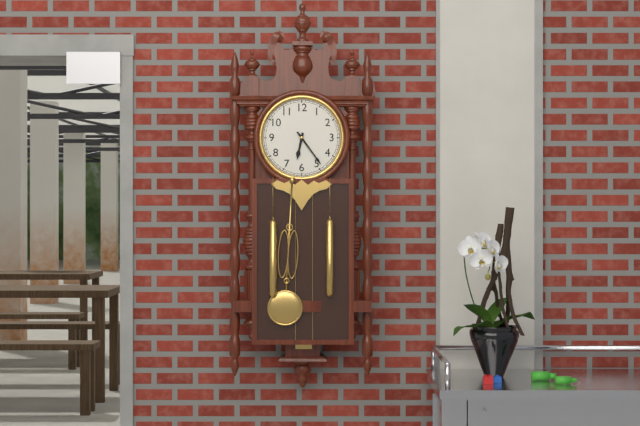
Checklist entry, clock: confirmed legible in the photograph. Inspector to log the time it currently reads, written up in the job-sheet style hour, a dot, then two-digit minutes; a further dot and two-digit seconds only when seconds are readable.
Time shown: 6.24
